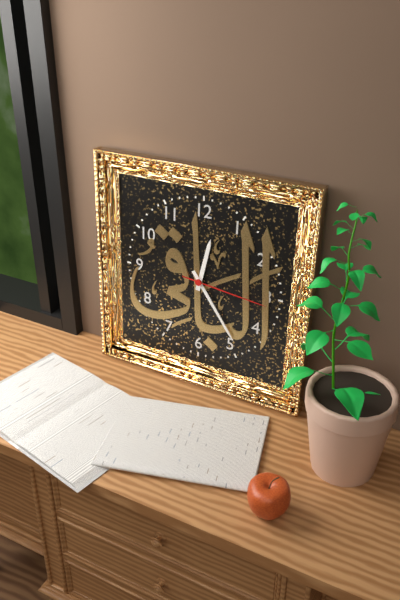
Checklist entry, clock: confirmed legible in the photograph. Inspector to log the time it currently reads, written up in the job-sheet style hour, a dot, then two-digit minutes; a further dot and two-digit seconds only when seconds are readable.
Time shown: 12.24.16
